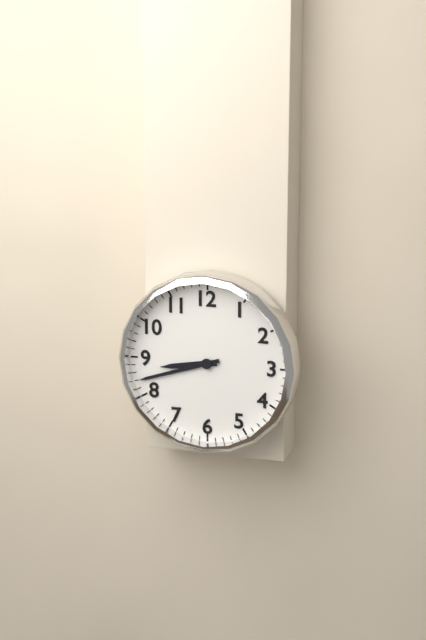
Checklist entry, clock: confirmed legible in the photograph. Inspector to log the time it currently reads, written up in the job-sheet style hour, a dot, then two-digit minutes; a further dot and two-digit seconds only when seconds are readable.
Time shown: 8.42
